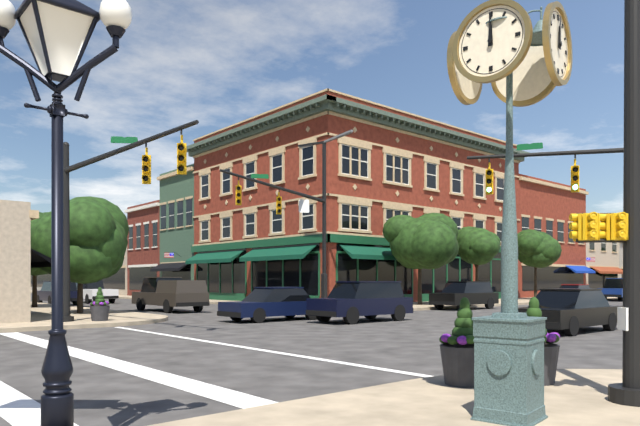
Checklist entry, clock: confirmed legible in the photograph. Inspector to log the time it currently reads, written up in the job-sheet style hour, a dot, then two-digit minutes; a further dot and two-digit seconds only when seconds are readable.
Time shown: 12.00
